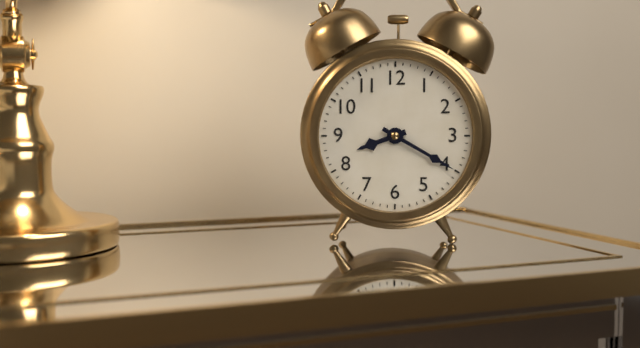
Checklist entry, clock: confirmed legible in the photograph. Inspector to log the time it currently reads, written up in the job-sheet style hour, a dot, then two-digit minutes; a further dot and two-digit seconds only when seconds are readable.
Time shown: 8.20
